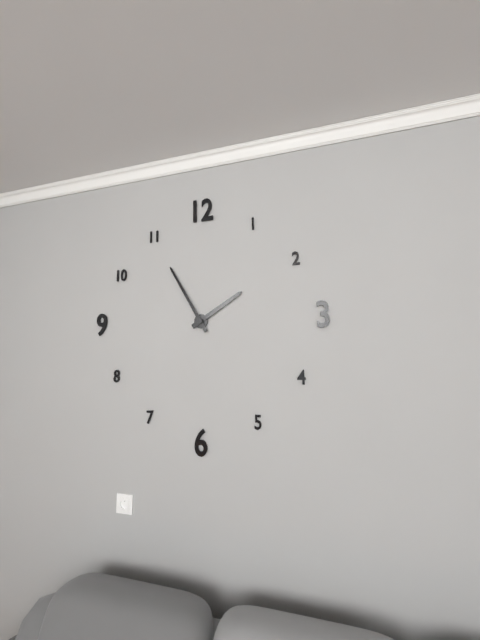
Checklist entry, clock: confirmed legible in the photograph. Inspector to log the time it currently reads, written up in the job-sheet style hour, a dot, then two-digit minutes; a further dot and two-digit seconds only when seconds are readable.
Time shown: 1.55
